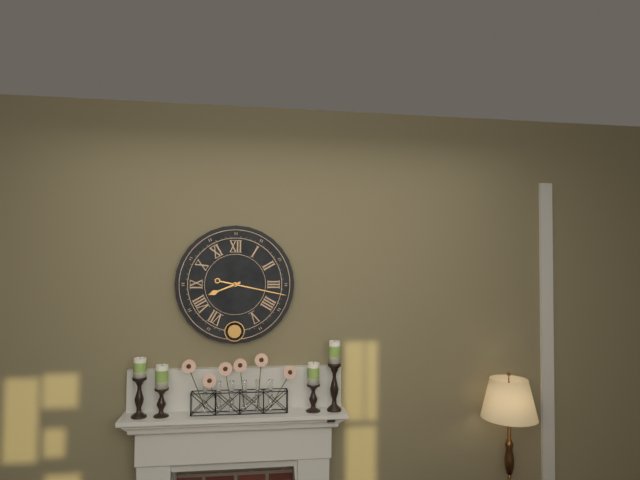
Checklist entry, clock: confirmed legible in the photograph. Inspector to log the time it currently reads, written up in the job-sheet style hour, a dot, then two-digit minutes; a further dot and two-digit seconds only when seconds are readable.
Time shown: 8.17
